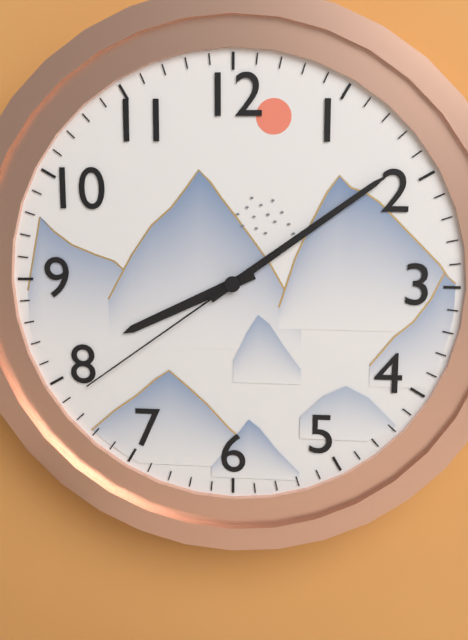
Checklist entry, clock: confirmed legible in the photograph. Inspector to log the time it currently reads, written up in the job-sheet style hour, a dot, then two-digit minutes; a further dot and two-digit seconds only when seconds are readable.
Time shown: 8.09.39
